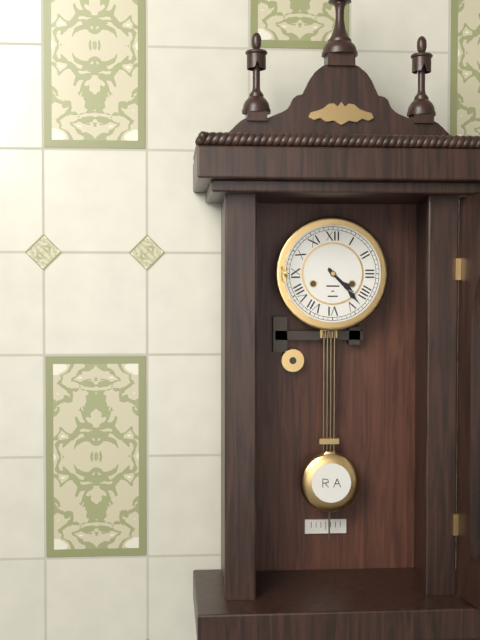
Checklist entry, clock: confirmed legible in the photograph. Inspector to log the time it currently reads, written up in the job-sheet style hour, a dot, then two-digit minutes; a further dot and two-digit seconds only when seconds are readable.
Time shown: 4.23
